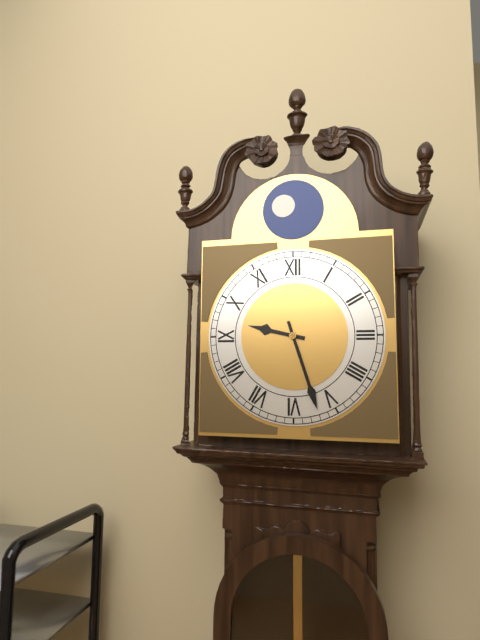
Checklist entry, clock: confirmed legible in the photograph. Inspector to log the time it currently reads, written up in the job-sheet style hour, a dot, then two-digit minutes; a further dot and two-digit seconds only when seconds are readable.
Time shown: 9.27
